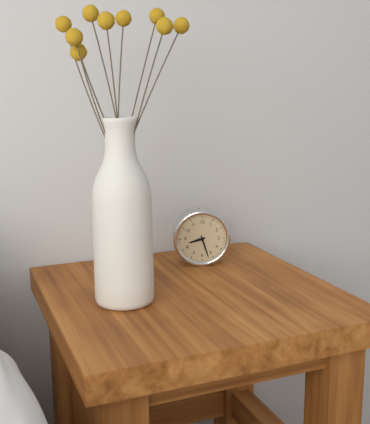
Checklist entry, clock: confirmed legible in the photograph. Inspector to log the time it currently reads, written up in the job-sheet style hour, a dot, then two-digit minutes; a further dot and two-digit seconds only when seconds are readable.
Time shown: 8.27
